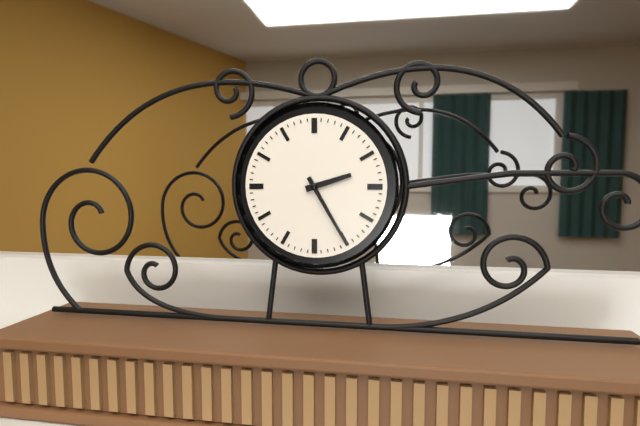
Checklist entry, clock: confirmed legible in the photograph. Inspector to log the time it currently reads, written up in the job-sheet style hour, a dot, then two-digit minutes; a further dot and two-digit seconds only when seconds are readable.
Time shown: 2.25
